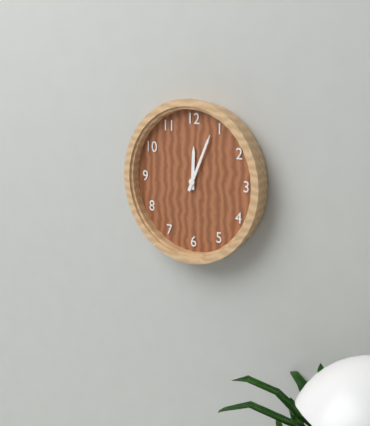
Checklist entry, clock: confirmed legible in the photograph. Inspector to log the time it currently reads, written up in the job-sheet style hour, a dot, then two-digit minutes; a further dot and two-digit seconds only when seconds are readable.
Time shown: 12.04
